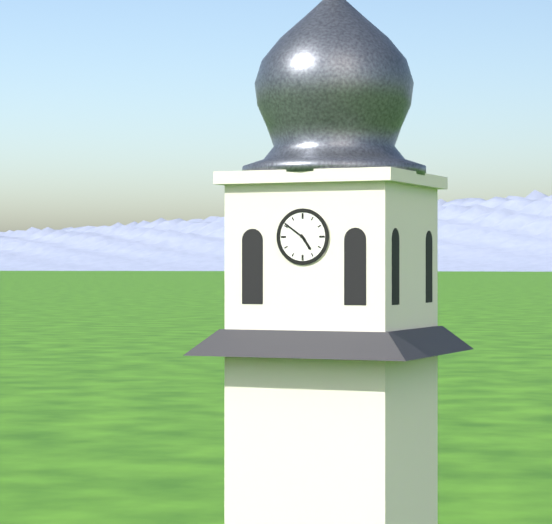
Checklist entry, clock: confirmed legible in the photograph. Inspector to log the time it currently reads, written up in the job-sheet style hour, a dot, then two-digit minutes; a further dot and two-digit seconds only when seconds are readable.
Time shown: 4.51
